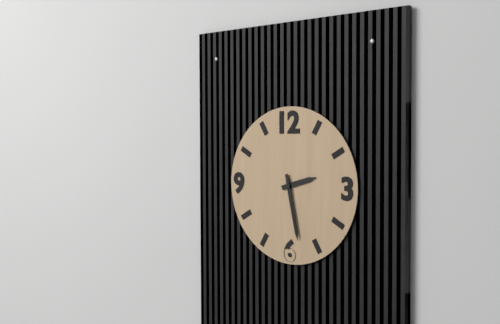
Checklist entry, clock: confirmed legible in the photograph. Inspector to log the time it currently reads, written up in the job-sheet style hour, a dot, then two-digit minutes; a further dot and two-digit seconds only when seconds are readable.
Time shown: 2.28
